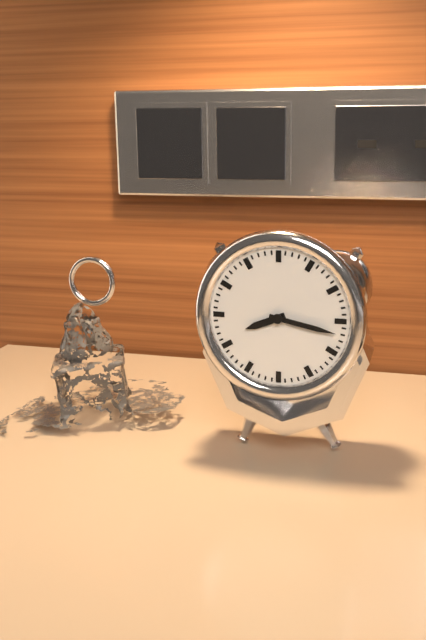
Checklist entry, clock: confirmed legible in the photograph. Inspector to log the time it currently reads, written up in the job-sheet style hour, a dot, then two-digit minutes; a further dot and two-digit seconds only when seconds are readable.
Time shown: 8.17
